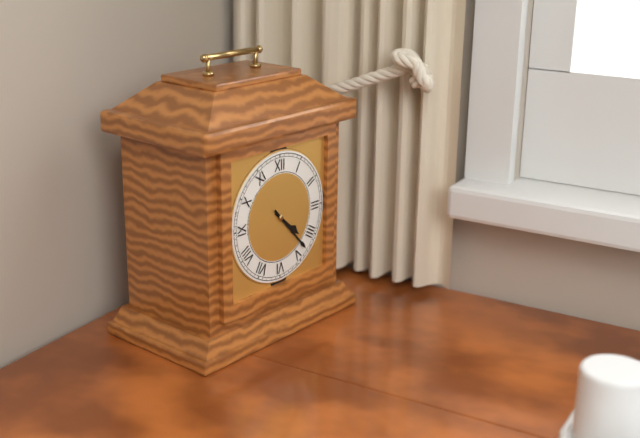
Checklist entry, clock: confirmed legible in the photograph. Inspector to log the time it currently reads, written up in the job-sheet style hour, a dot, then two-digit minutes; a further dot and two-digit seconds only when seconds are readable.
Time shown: 4.23
